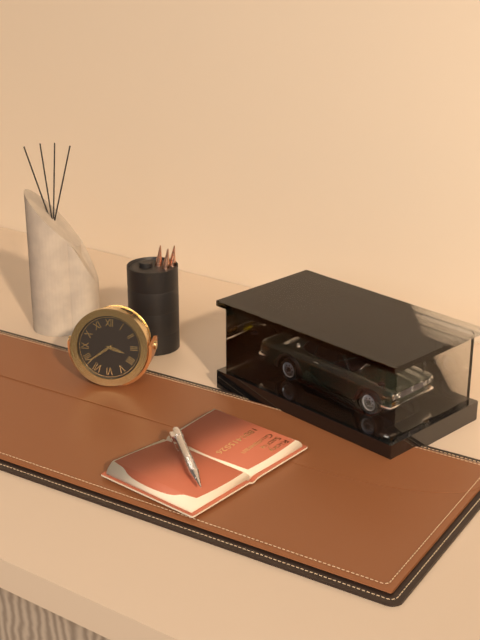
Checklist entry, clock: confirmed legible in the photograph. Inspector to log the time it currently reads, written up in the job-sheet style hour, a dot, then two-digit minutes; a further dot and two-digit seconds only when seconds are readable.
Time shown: 3.39
